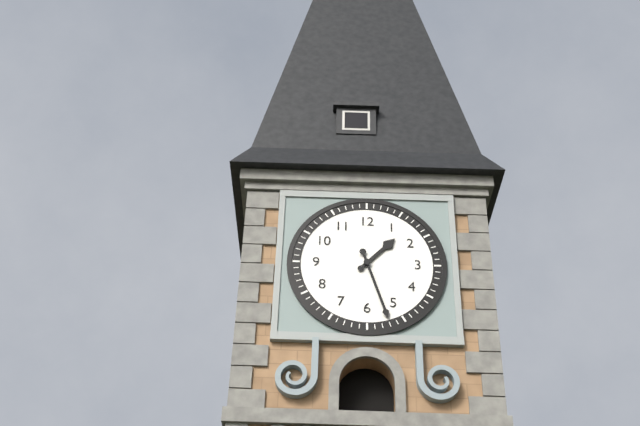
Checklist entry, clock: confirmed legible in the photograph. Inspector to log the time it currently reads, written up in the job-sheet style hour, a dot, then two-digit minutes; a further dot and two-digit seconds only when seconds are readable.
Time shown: 1.27
